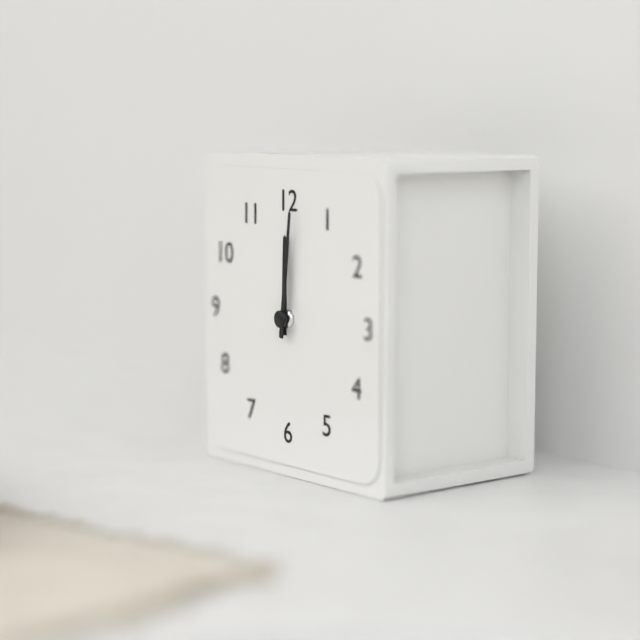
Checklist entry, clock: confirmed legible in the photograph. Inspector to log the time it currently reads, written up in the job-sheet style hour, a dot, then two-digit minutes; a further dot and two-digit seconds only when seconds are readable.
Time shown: 12.01
